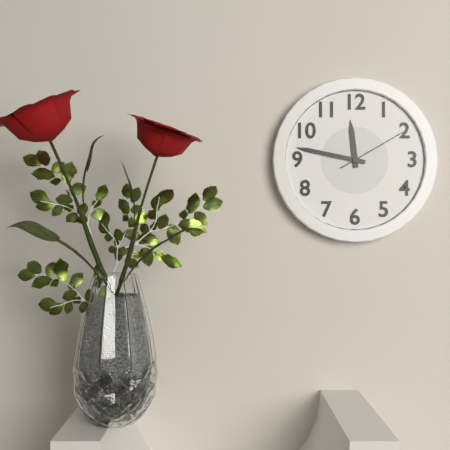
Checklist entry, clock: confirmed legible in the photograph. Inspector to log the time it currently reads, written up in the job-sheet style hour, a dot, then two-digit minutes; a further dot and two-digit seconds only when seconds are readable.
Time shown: 11.47.10
